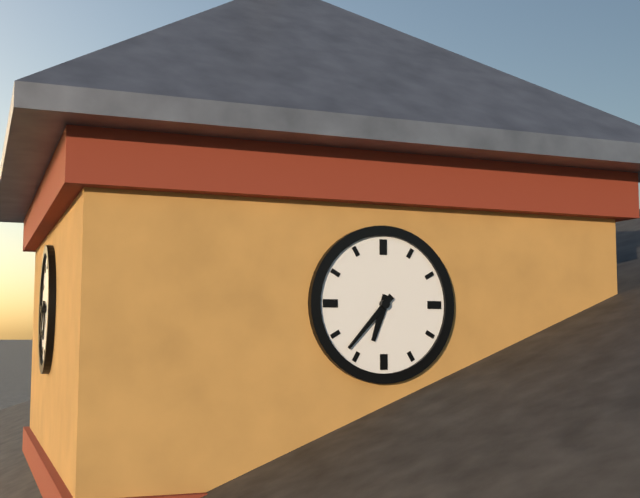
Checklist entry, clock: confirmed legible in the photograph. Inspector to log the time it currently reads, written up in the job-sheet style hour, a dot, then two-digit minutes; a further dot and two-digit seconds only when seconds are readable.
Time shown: 6.37
